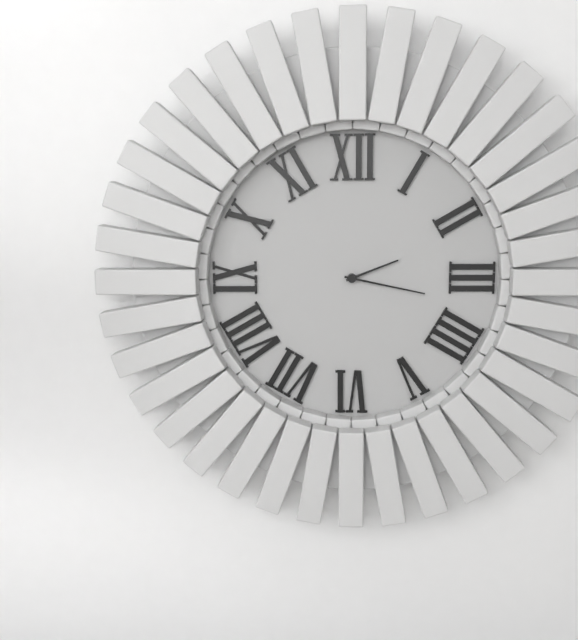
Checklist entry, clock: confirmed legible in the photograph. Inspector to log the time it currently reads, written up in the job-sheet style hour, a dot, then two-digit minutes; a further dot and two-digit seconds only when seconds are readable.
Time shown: 2.17
